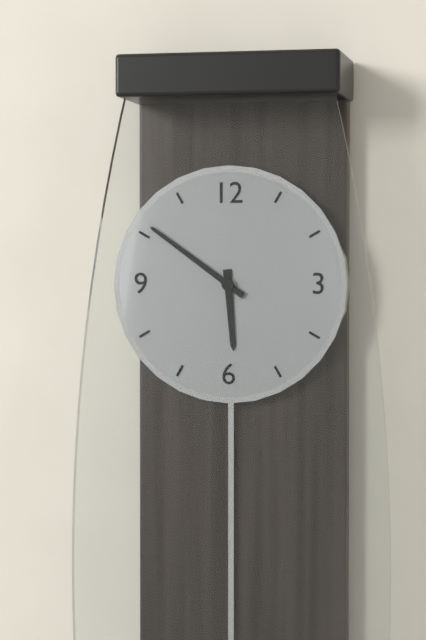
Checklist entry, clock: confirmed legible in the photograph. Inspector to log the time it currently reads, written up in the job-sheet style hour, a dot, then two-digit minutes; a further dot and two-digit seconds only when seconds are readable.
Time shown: 5.51
